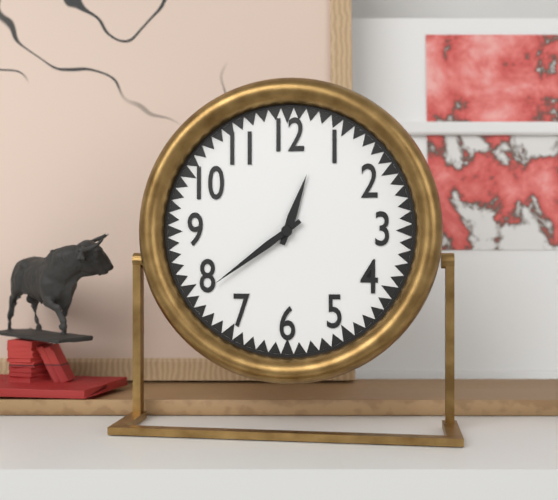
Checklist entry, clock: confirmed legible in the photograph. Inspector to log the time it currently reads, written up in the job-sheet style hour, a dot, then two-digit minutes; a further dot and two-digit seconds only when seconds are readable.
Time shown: 12.39
